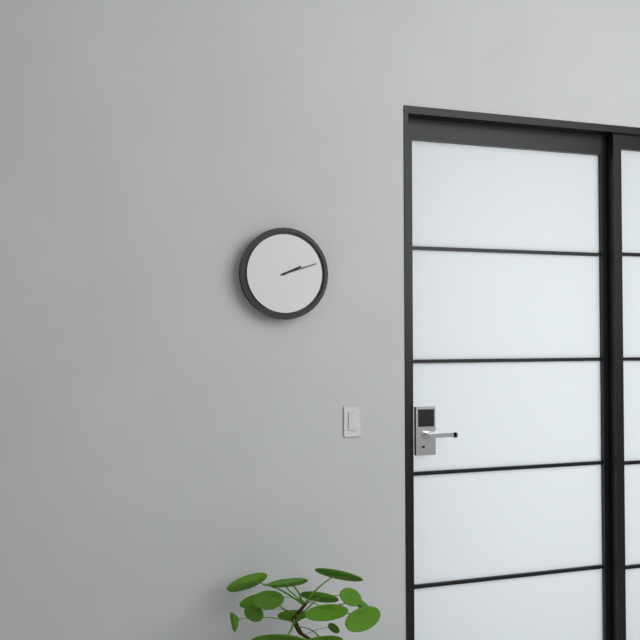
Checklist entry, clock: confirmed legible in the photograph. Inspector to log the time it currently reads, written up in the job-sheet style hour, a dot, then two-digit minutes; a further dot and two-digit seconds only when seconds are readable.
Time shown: 2.12
